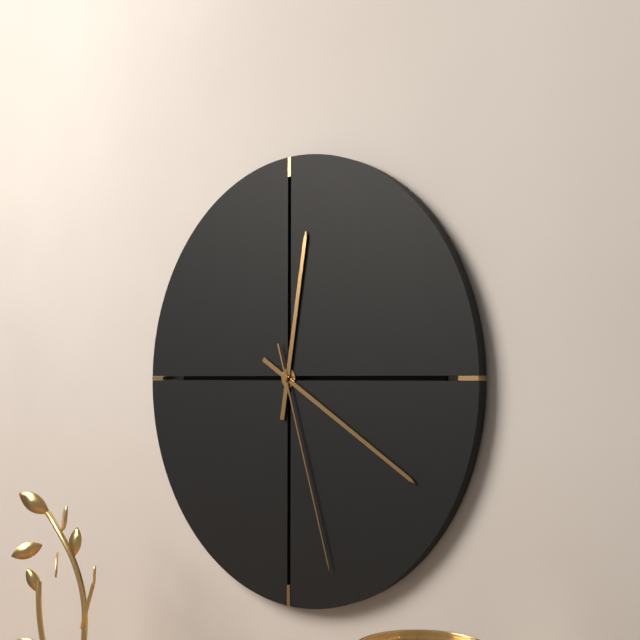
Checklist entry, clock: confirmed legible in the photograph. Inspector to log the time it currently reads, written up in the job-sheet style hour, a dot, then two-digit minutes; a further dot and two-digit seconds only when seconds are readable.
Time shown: 12.20.27
